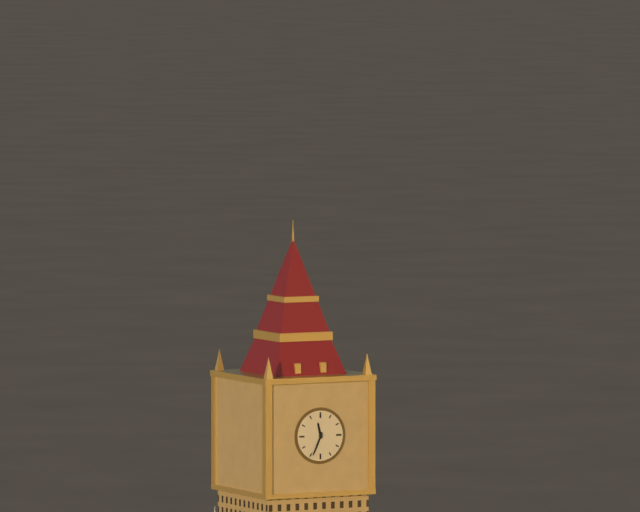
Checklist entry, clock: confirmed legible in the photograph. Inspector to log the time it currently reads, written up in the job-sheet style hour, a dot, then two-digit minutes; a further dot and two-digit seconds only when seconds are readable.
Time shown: 11.34
